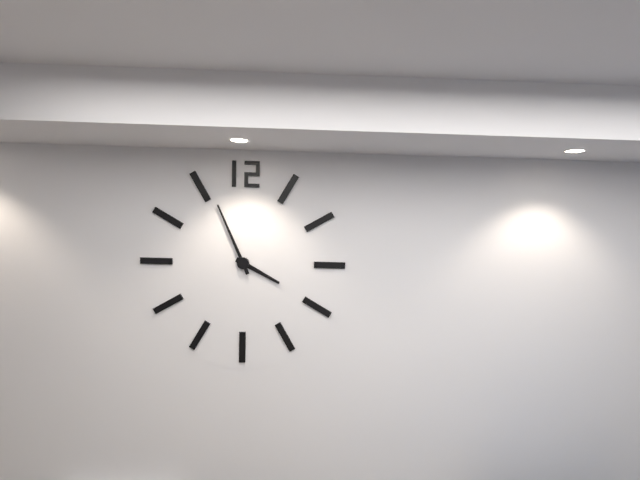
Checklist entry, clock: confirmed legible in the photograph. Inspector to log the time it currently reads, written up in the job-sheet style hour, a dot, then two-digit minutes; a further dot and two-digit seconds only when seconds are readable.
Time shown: 3.56
